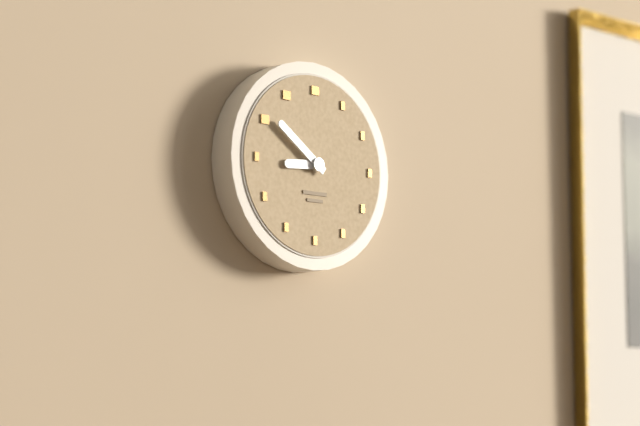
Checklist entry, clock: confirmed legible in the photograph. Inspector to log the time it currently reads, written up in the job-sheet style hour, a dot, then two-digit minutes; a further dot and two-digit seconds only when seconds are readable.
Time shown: 8.51
